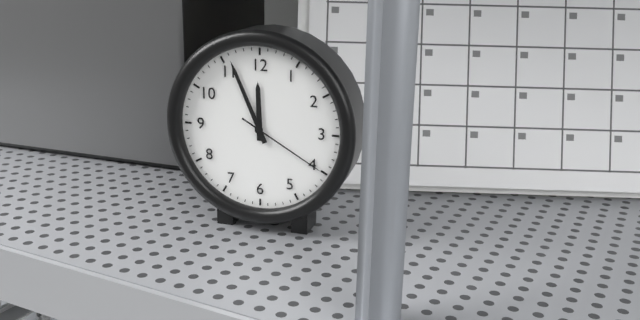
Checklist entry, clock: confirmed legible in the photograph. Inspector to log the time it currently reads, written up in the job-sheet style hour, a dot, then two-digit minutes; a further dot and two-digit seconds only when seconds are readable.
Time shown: 11.56.20
